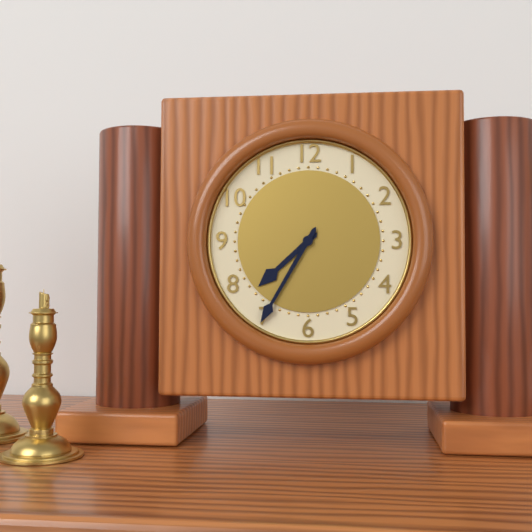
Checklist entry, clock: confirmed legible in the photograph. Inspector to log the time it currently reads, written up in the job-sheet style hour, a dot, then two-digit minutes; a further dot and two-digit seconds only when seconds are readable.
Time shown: 7.35
